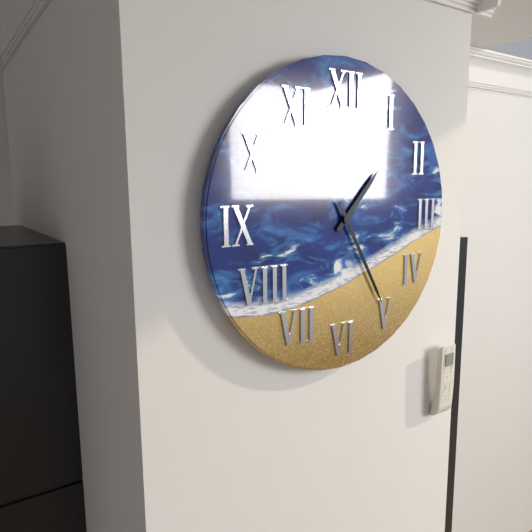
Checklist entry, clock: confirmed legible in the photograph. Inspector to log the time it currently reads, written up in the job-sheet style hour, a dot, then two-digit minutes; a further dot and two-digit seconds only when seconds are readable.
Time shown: 1.25
